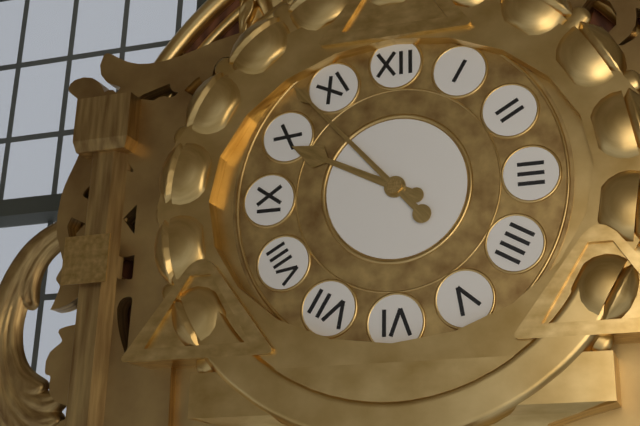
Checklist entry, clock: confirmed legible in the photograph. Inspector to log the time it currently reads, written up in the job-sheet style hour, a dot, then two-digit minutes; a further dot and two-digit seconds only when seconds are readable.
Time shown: 9.53
